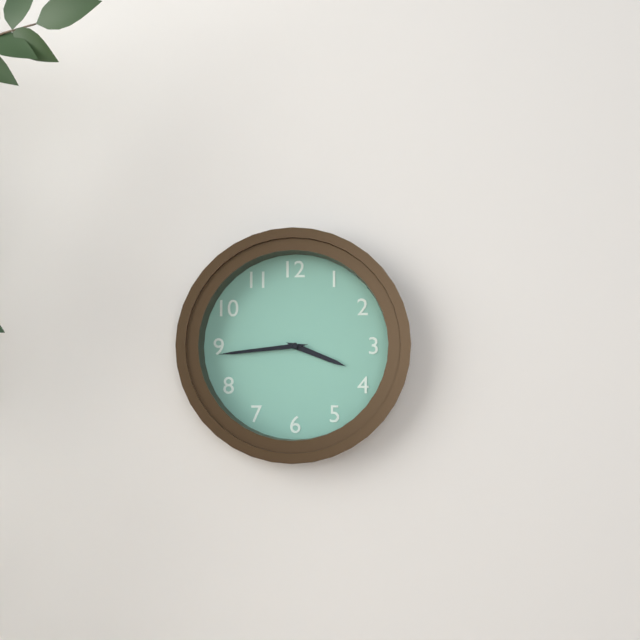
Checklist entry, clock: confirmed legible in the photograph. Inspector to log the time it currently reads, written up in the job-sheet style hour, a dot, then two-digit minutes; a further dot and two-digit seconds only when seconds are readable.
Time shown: 3.44
